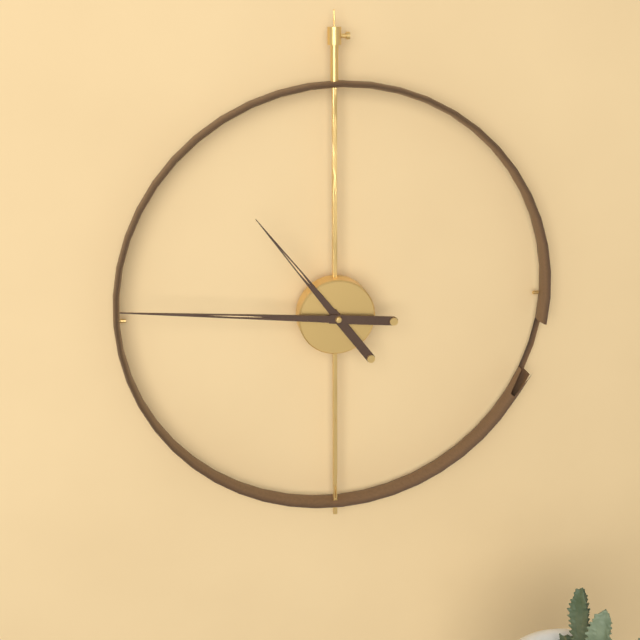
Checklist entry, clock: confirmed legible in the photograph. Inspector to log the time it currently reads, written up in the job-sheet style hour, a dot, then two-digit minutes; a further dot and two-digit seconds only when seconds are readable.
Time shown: 10.46
